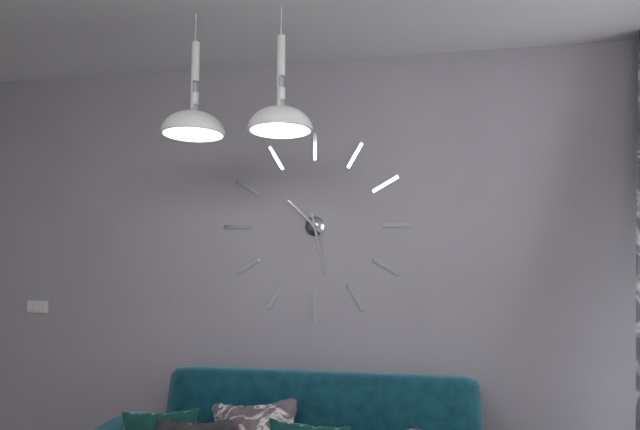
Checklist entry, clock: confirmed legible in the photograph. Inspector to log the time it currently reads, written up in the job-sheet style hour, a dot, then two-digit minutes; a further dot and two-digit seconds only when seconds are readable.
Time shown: 10.28
